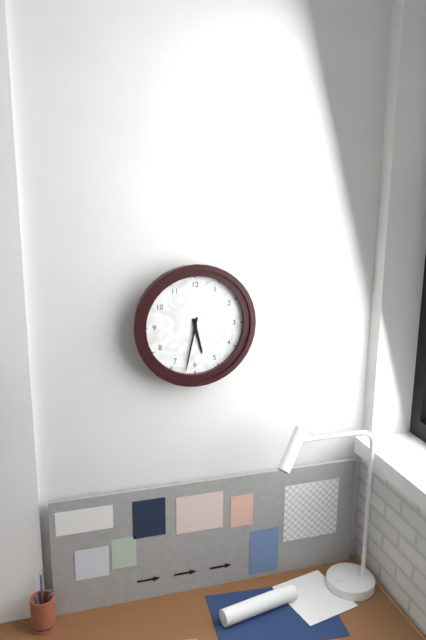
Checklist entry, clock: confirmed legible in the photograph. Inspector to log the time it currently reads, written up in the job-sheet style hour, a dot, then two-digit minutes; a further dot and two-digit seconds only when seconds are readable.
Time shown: 5.32
